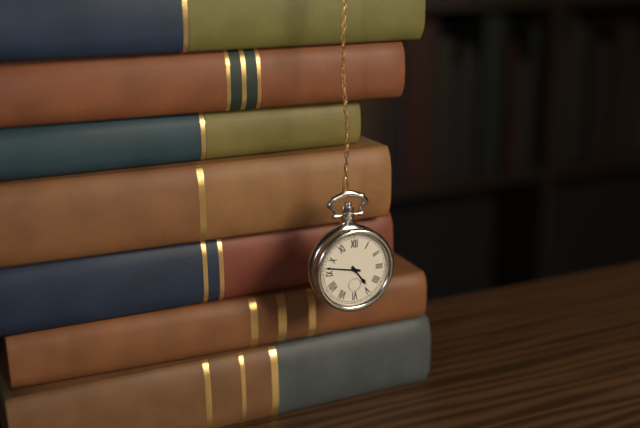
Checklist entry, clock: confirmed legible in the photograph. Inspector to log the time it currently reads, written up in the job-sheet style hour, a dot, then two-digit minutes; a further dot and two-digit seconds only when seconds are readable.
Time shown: 4.47
